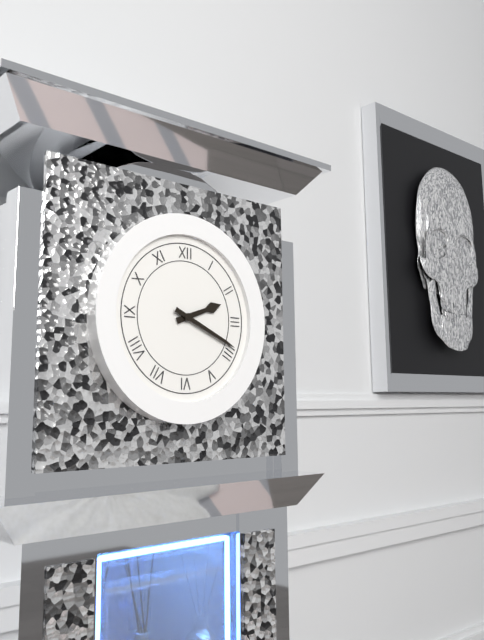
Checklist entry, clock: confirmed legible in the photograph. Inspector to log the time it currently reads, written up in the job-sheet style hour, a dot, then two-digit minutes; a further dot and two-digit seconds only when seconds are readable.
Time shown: 2.19
